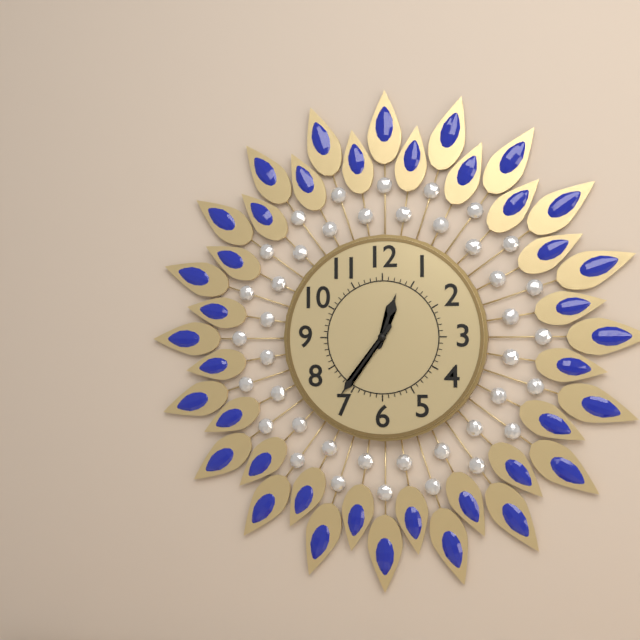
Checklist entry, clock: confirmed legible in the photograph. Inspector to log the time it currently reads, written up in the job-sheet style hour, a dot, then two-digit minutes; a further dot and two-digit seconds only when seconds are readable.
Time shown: 12.36
